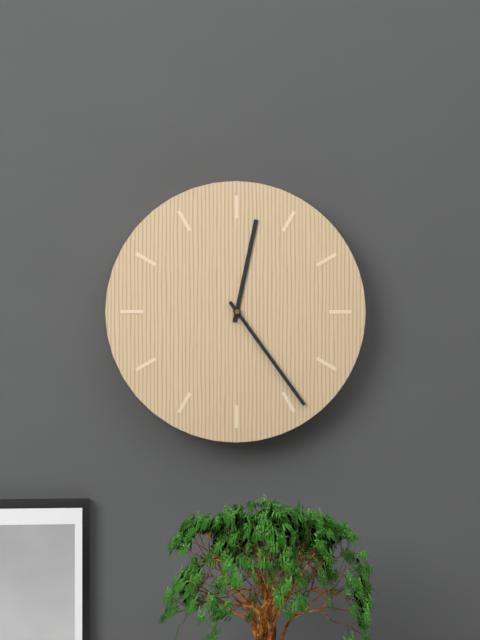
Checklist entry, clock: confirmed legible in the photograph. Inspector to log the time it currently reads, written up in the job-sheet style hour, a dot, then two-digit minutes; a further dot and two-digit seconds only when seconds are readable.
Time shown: 12.24
